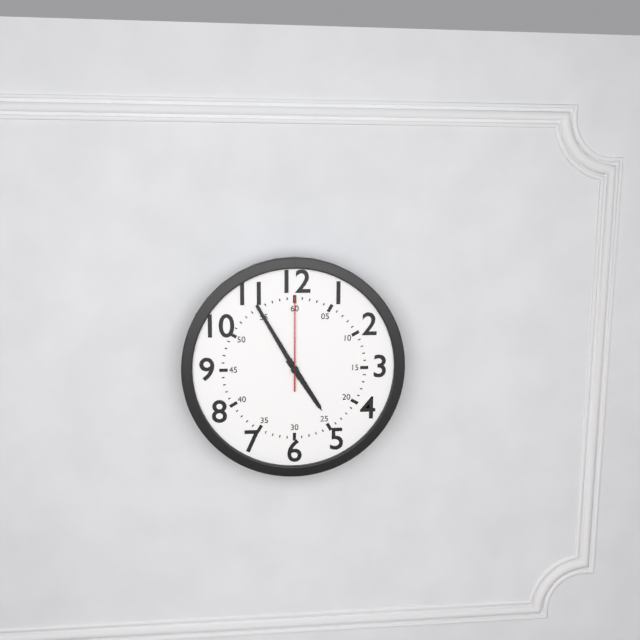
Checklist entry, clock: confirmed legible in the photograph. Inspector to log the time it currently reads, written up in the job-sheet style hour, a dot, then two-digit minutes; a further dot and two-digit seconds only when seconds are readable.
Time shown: 4.55.00
